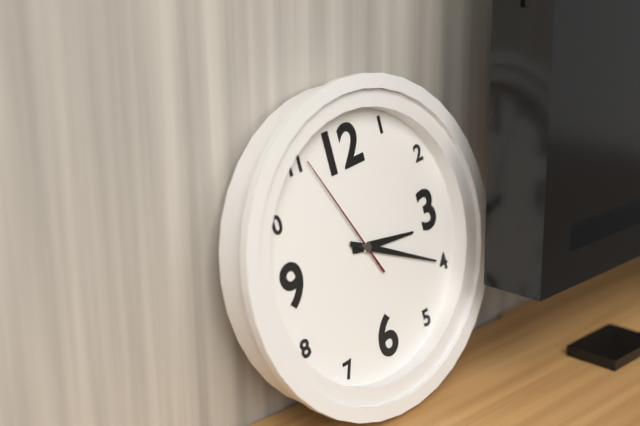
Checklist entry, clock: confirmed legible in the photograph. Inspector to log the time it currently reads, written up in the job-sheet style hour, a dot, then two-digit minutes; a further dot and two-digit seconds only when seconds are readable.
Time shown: 3.20.56
